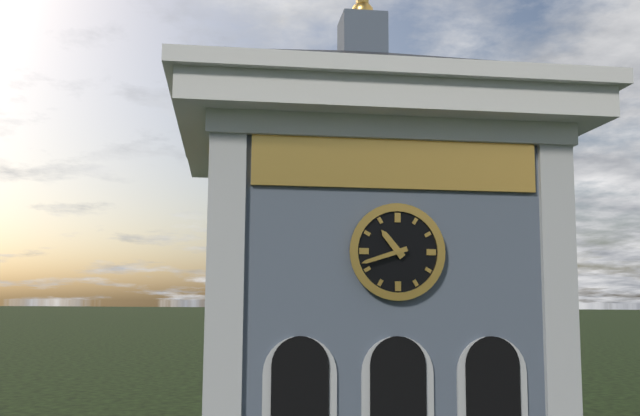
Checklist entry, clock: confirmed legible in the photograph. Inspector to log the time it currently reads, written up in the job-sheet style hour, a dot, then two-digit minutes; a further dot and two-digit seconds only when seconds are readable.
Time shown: 10.42
